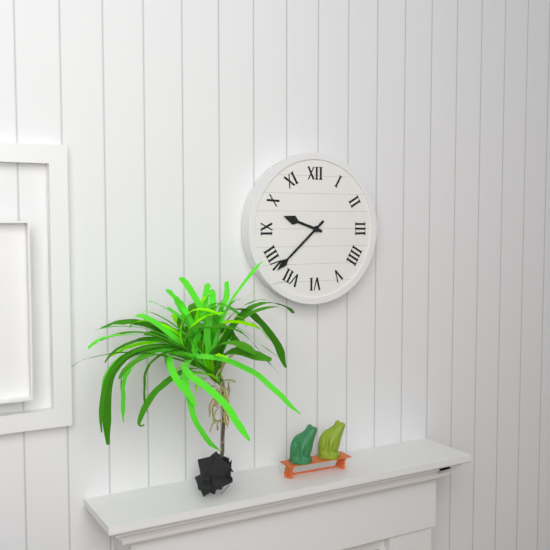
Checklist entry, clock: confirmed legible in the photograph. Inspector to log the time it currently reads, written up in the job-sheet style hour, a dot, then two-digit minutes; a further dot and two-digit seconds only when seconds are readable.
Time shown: 9.38
